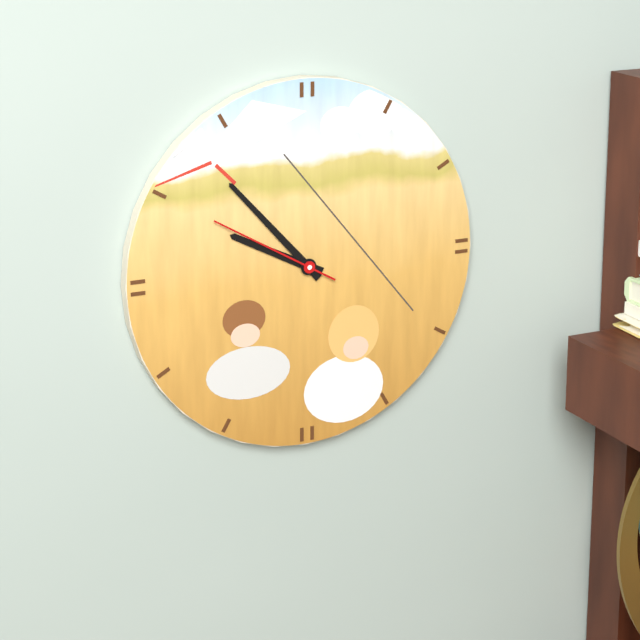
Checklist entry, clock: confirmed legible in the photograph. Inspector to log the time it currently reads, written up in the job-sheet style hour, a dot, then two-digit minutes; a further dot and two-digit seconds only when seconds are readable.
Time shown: 9.53.50
